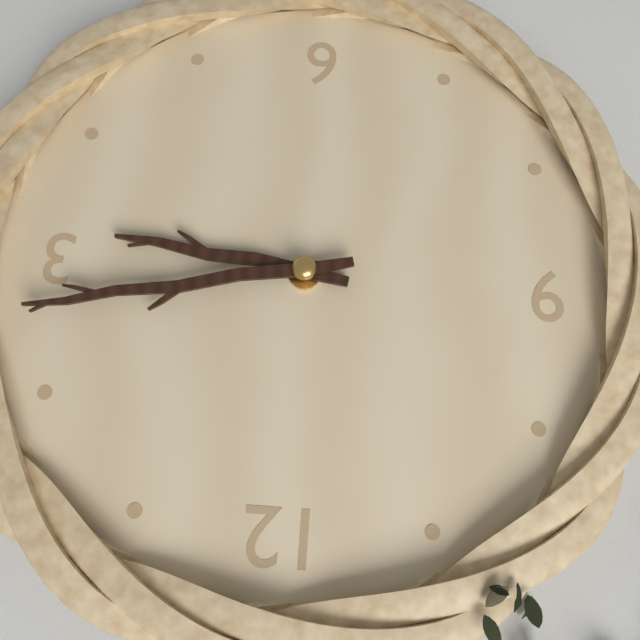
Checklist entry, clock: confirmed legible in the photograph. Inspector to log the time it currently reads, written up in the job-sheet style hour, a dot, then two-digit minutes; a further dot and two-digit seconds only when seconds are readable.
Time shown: 3.13
